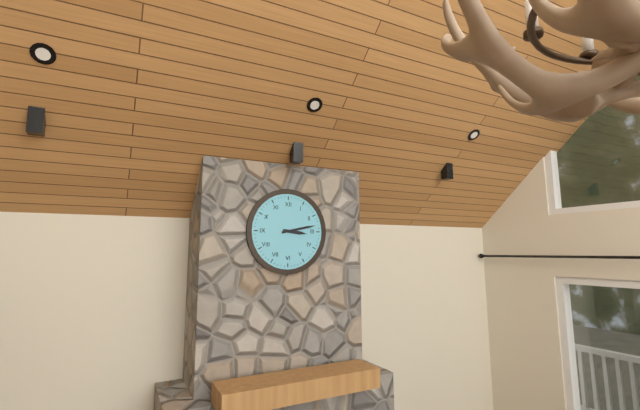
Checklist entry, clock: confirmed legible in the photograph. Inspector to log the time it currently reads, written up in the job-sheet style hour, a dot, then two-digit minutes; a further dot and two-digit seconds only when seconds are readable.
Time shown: 3.13
